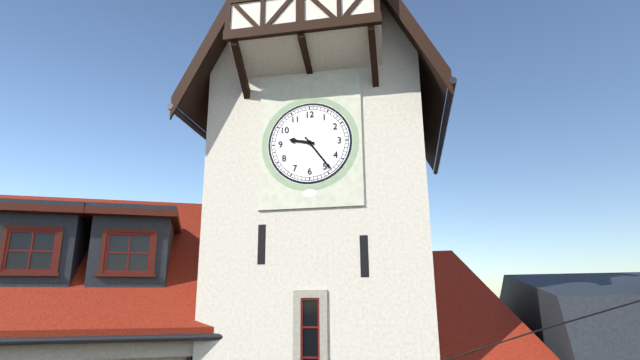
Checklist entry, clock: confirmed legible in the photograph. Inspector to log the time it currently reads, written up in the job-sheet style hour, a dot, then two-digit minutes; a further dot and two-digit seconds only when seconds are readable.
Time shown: 9.24
